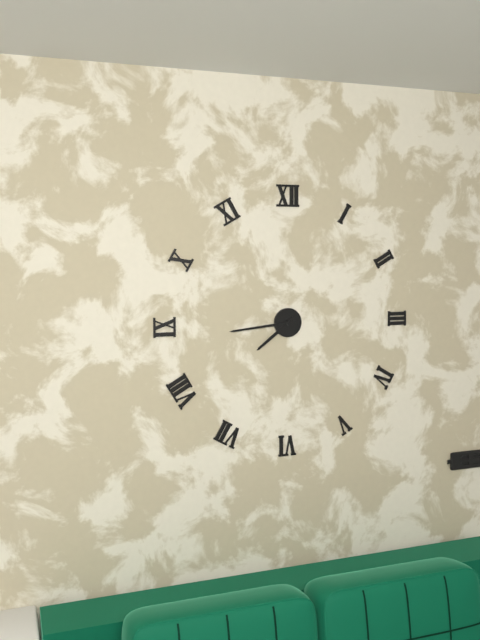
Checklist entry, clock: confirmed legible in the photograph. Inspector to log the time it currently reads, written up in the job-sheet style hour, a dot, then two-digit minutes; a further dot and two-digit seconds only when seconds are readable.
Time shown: 7.44
